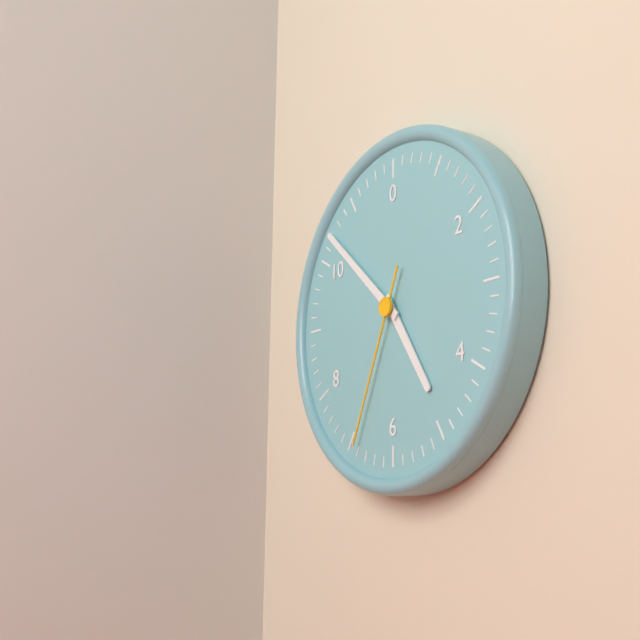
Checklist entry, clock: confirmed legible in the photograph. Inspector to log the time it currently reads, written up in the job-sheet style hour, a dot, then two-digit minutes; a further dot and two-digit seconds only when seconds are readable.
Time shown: 4.52.34
